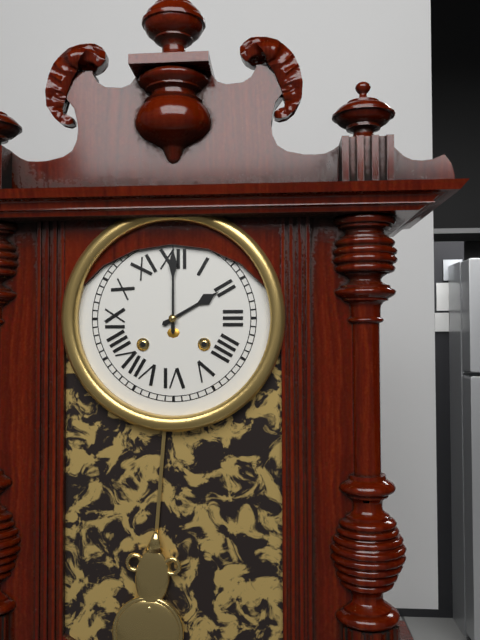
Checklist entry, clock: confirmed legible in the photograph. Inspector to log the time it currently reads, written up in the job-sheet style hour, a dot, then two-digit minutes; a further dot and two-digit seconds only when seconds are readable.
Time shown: 2.00
